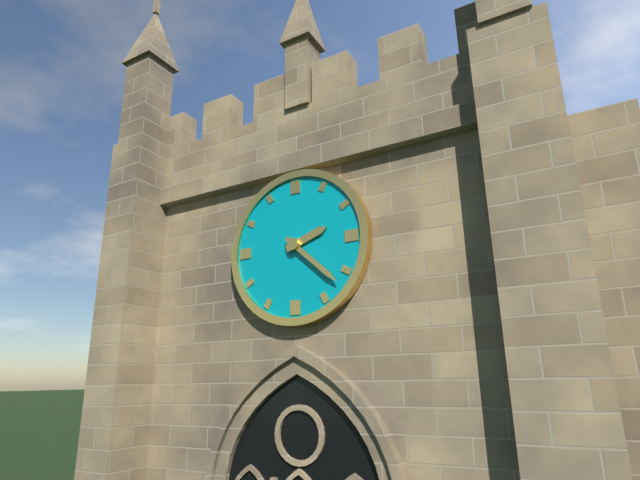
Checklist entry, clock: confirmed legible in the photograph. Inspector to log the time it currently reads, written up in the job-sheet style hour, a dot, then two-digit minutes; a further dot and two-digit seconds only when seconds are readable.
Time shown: 2.22
